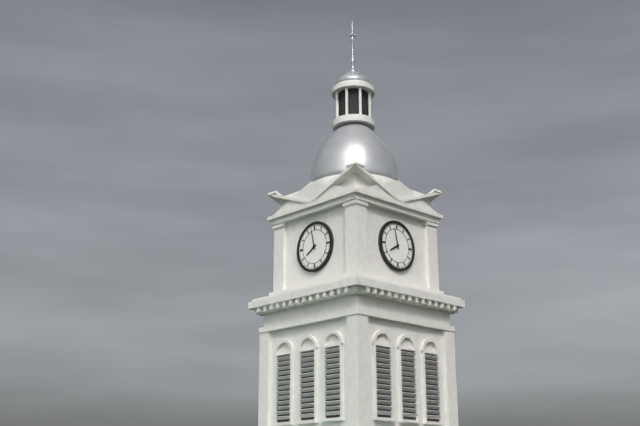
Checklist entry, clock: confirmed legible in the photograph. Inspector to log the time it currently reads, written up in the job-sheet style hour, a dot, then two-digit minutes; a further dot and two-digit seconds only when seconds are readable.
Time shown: 7.58
